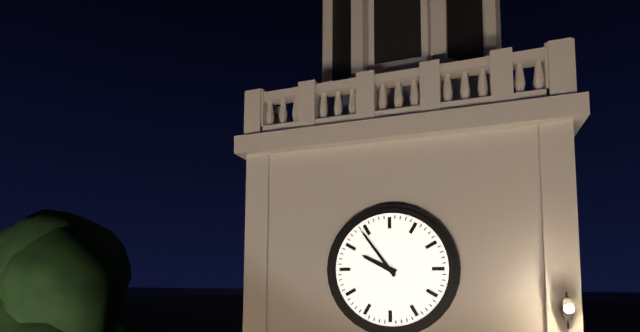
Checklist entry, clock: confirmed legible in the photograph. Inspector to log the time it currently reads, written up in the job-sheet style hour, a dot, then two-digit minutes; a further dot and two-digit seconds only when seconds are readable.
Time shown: 9.54
